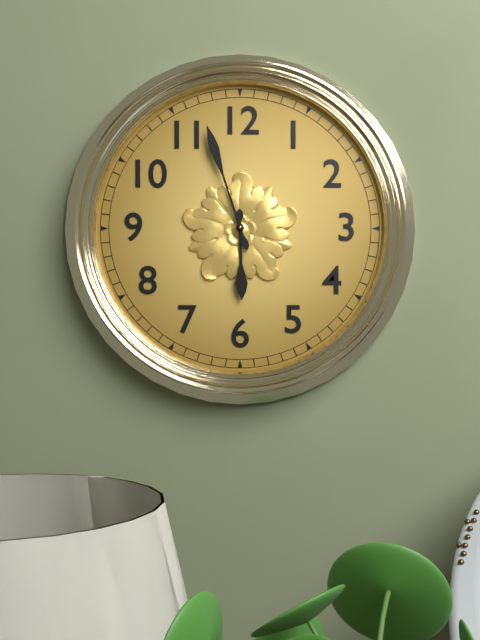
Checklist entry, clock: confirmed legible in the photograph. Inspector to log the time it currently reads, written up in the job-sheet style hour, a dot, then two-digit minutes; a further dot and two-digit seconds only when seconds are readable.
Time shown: 5.57
